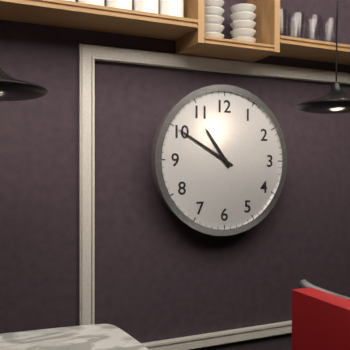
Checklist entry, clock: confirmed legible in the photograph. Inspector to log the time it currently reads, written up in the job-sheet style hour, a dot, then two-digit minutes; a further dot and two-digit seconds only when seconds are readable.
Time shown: 10.50
